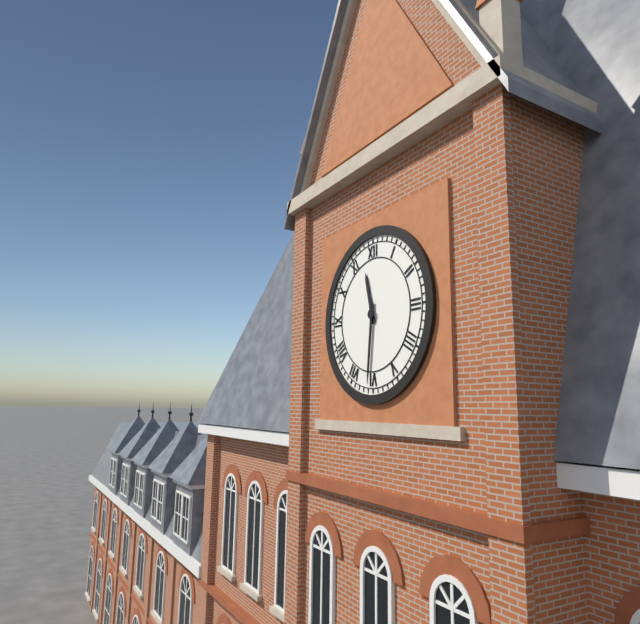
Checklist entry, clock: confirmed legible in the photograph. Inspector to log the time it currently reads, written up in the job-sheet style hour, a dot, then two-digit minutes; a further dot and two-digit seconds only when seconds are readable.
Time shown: 11.31
